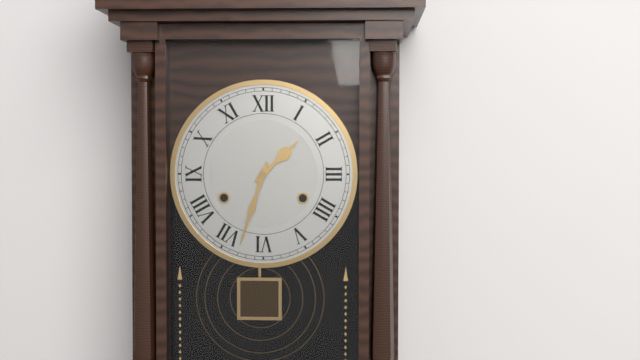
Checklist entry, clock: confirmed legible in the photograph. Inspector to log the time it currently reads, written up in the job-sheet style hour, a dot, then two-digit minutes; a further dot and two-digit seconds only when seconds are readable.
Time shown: 1.33
